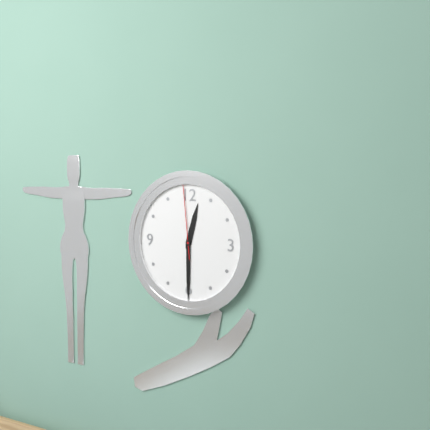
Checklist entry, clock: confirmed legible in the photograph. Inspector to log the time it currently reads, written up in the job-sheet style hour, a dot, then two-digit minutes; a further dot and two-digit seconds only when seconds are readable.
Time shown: 12.30.59
